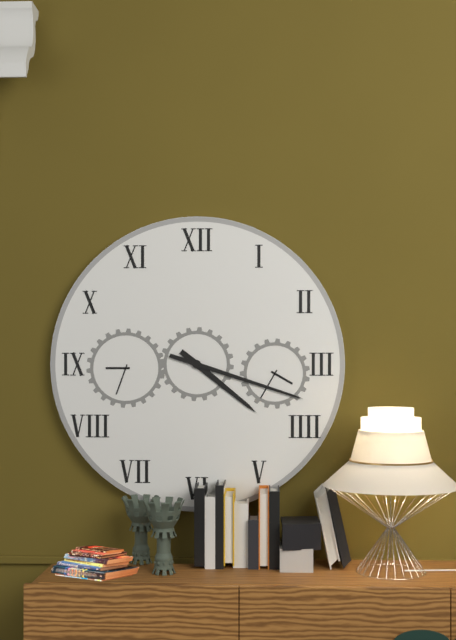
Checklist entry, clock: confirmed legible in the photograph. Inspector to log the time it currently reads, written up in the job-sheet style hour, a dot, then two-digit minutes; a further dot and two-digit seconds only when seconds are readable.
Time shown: 4.18
